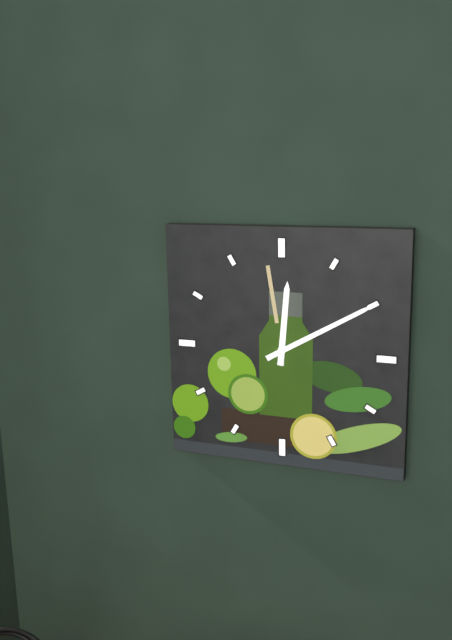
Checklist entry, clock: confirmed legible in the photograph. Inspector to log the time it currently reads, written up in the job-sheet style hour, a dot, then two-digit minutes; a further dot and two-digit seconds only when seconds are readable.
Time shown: 12.10
